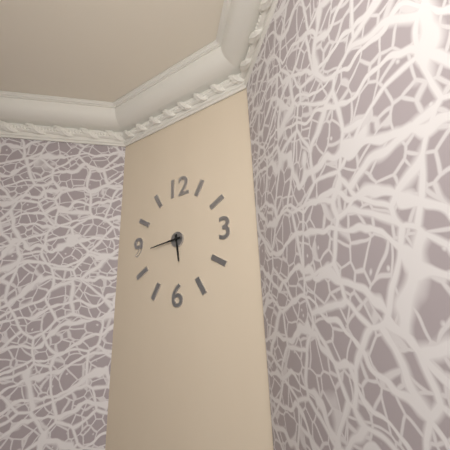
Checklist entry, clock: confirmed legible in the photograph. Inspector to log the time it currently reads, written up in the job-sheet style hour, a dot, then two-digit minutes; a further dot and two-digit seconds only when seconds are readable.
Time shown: 5.44
